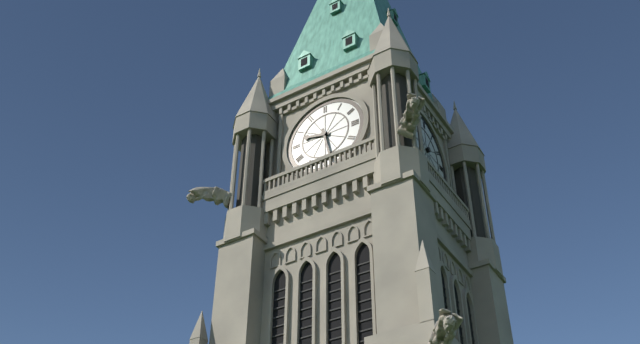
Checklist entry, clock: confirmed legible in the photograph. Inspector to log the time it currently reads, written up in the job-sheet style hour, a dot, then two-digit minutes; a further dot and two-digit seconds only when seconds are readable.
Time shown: 9.28
